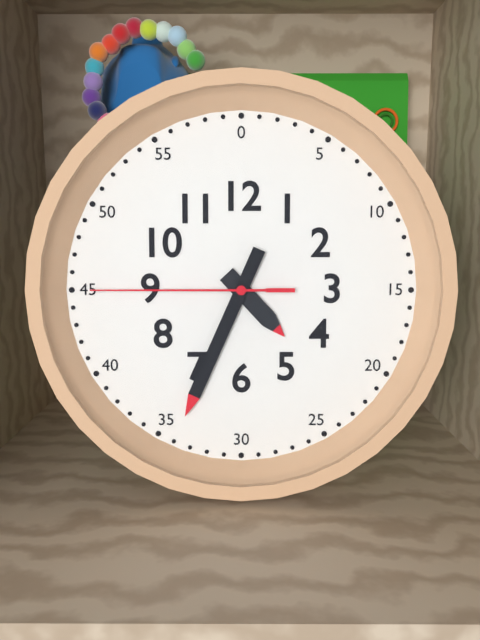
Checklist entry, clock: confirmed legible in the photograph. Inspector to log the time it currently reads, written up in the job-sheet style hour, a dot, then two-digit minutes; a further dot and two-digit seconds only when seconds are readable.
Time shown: 4.34.45
